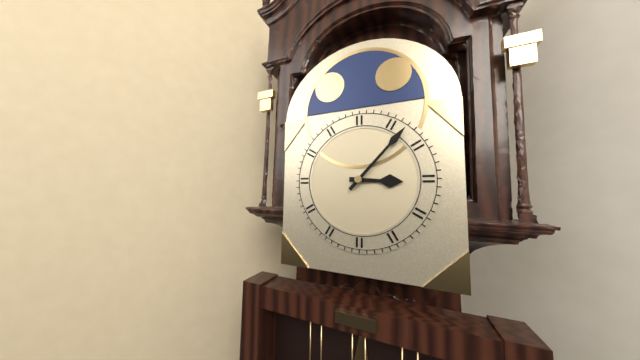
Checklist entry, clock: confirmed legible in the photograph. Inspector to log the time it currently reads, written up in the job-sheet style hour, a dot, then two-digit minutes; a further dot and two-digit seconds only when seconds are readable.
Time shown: 3.07
